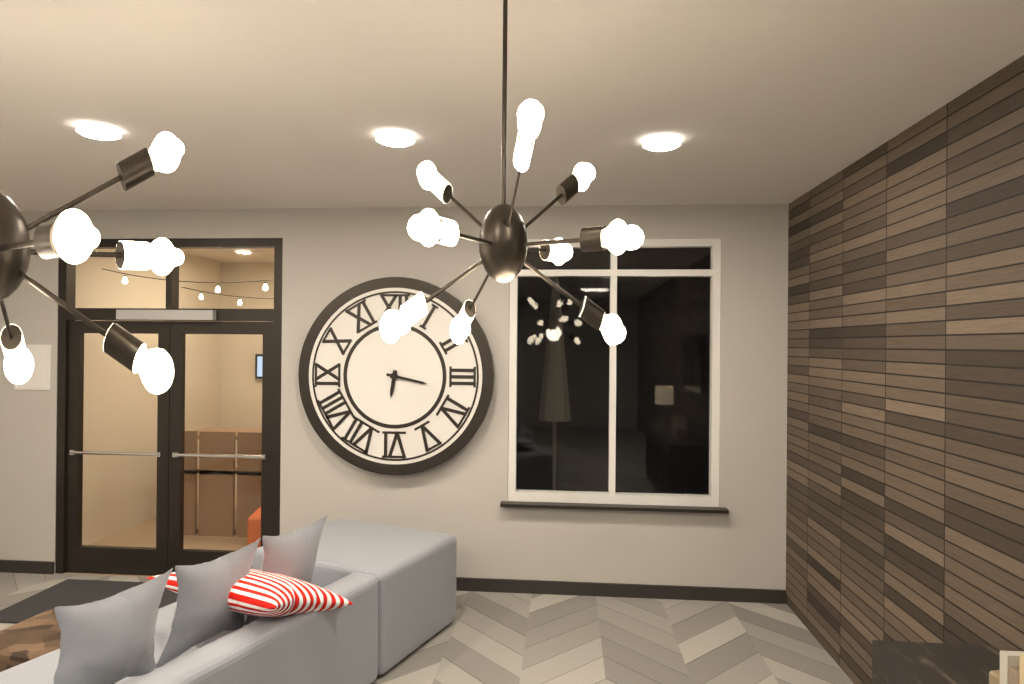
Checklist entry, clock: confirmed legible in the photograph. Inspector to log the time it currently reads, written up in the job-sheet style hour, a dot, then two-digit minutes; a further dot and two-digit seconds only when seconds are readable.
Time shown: 6.17
